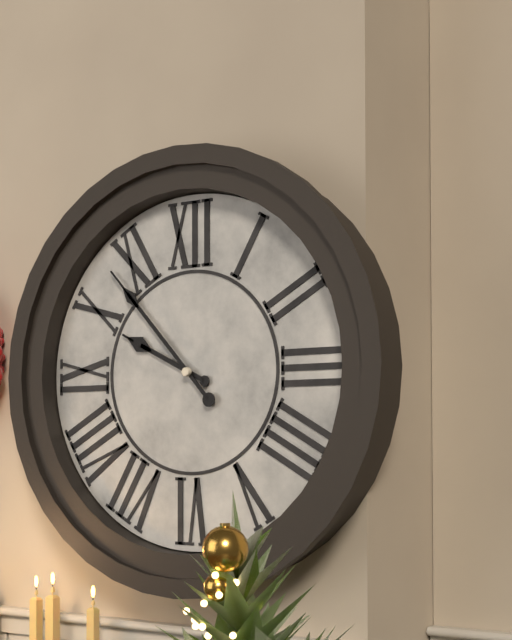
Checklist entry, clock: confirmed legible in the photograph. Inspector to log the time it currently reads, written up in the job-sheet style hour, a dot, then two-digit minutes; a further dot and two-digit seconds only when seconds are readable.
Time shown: 9.53
